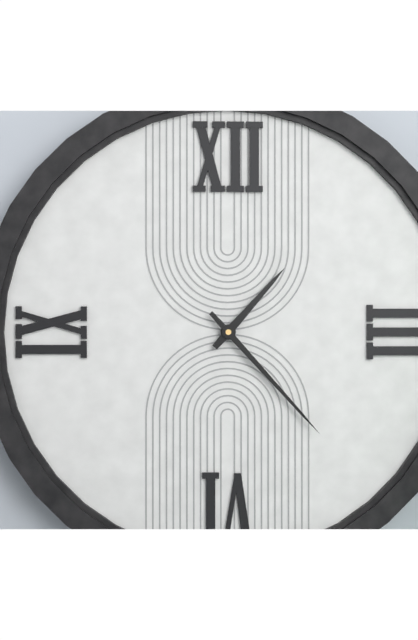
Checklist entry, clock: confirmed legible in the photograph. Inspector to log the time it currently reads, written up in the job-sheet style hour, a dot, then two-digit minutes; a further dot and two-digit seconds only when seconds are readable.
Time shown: 1.23
